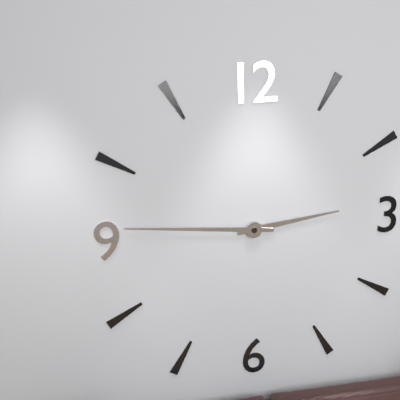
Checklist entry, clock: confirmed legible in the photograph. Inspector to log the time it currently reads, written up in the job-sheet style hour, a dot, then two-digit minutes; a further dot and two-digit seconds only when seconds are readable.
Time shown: 2.46
